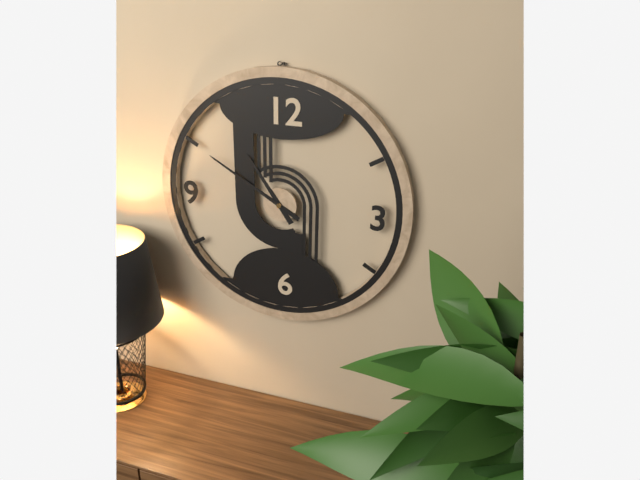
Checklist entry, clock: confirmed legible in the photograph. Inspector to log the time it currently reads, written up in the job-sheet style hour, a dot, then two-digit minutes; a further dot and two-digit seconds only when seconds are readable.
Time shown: 10.50
